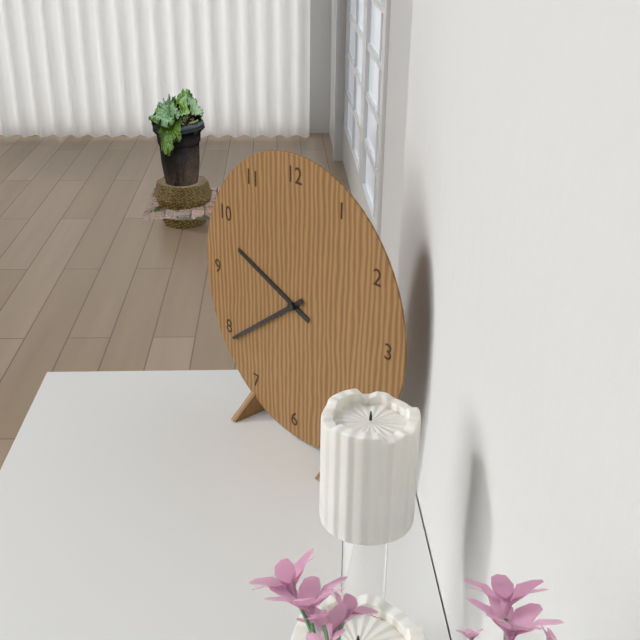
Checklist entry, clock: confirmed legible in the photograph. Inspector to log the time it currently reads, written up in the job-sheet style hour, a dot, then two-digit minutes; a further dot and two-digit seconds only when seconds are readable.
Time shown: 9.39
